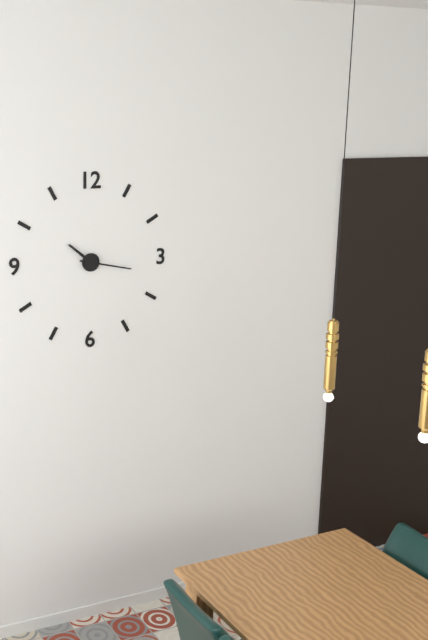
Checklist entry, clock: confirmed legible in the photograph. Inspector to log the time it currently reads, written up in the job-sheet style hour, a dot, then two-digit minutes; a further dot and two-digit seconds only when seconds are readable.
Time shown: 10.17
